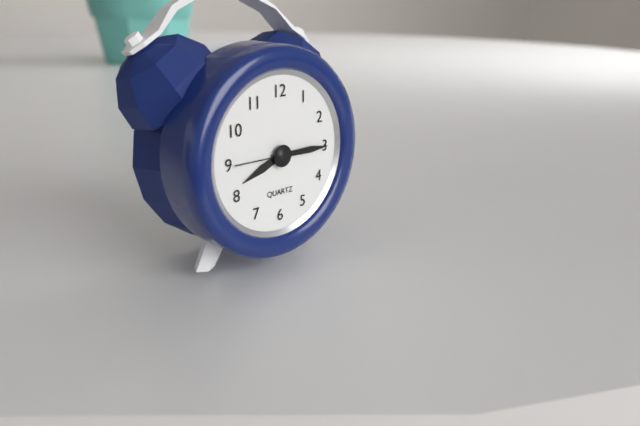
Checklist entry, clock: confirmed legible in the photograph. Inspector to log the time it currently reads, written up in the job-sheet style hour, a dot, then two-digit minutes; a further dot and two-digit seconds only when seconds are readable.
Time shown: 8.15.45
